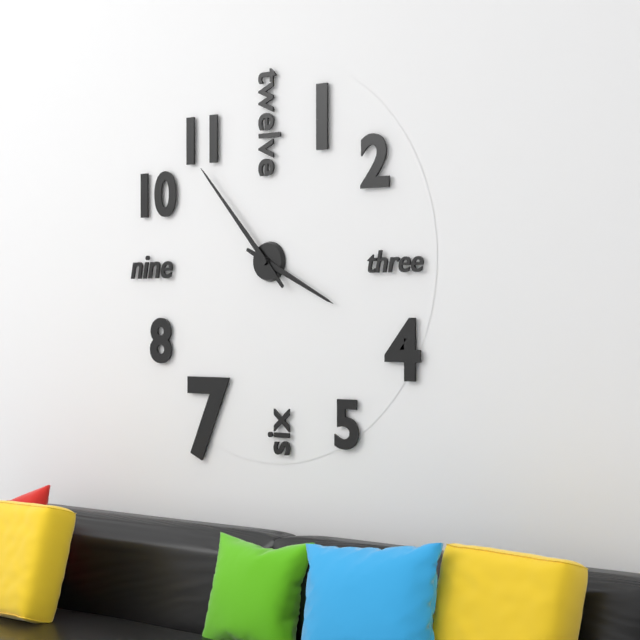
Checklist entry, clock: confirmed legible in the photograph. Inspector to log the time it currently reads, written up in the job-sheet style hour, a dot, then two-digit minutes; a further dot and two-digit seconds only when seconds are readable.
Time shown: 3.53
